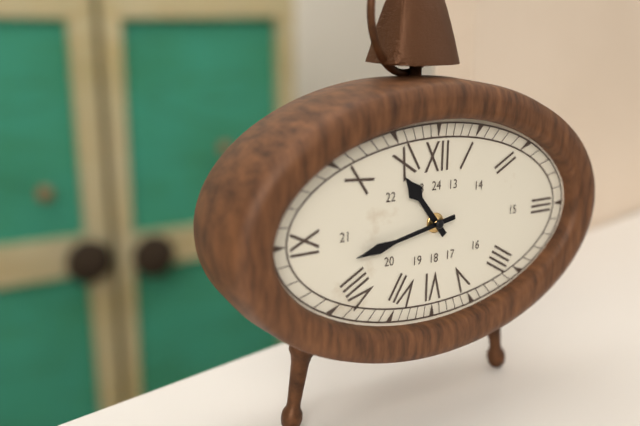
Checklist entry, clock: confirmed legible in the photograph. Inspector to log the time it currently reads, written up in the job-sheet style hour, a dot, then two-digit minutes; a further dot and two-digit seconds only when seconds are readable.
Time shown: 10.43
